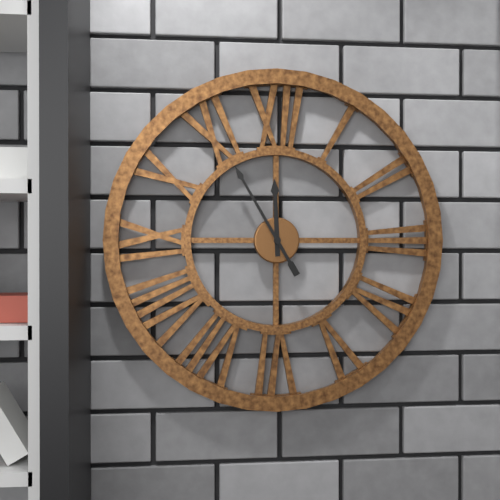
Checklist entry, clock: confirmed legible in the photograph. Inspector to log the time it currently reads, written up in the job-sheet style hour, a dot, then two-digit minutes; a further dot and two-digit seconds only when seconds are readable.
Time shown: 11.55
